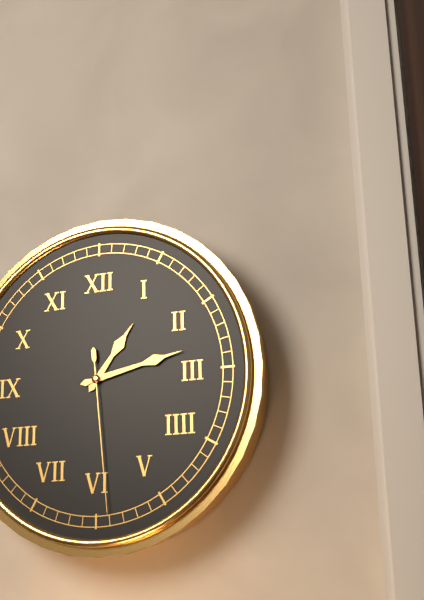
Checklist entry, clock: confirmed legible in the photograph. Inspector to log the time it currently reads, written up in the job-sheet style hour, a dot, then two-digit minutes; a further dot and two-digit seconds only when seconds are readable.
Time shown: 1.13.29
